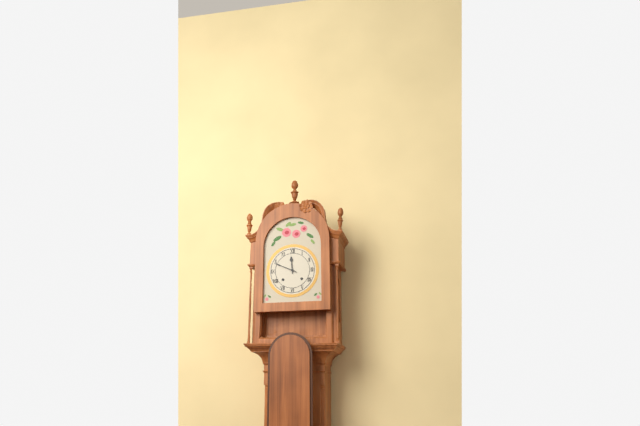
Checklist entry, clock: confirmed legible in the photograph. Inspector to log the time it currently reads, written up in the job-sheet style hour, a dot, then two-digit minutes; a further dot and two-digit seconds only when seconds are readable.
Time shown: 11.49
